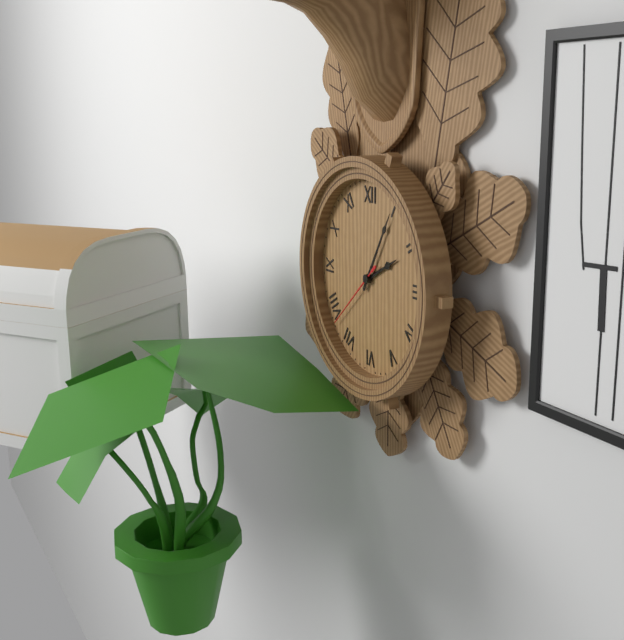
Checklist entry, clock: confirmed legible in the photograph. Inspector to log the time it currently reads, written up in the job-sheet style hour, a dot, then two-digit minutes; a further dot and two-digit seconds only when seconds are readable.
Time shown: 2.05.38
